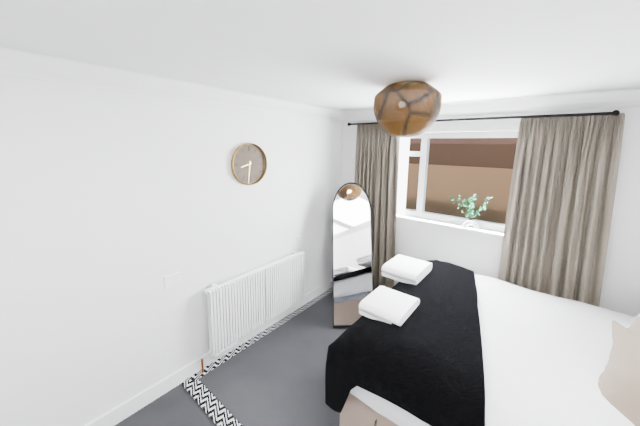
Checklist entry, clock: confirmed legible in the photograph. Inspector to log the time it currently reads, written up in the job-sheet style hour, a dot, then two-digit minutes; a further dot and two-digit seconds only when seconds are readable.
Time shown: 8.31
